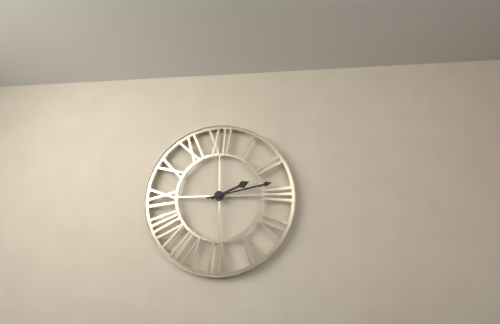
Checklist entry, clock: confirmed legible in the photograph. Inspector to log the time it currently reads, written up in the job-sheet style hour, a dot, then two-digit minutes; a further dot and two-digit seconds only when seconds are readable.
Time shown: 2.13
